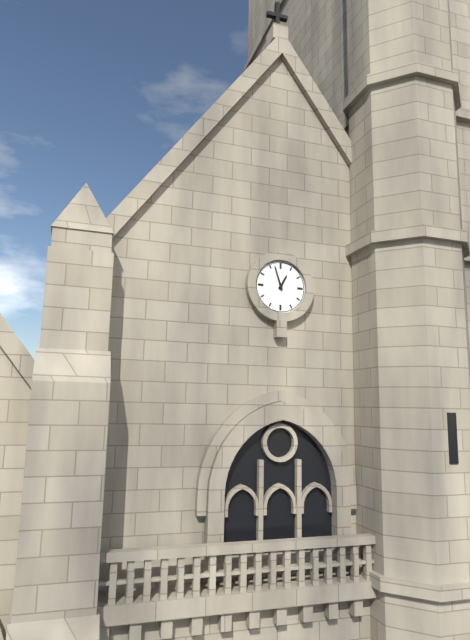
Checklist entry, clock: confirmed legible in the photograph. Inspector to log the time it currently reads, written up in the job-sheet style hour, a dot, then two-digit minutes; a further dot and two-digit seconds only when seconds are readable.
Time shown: 12.57
